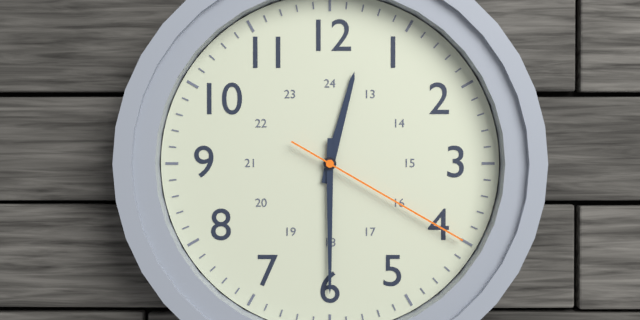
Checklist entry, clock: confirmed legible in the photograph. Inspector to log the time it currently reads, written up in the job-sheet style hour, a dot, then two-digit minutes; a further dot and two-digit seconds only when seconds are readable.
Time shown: 12.30.20
